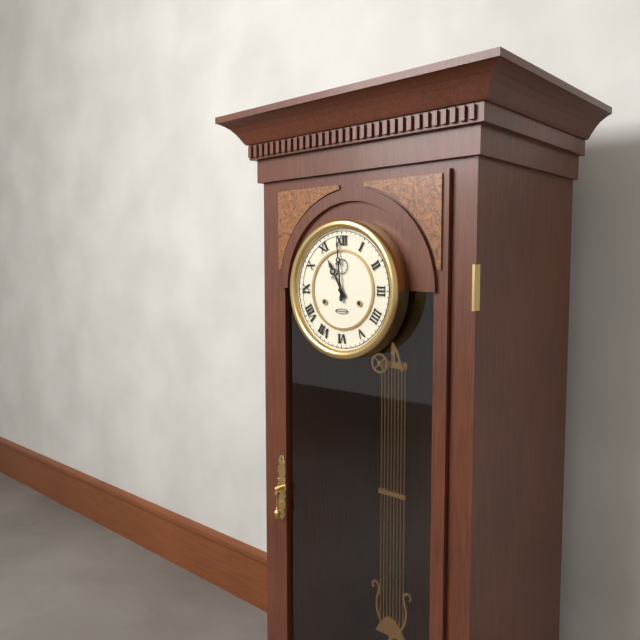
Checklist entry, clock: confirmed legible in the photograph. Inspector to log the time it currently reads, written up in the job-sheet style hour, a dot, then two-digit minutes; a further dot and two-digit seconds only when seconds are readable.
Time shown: 10.59
